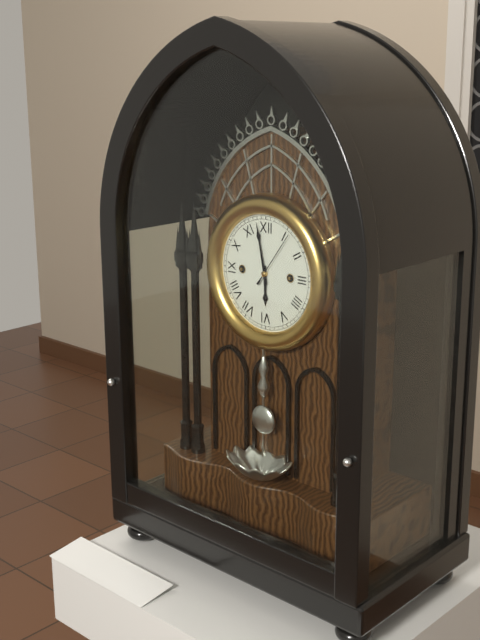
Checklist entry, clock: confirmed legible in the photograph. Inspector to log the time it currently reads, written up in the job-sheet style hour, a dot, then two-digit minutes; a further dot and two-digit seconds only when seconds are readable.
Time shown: 5.58.06
